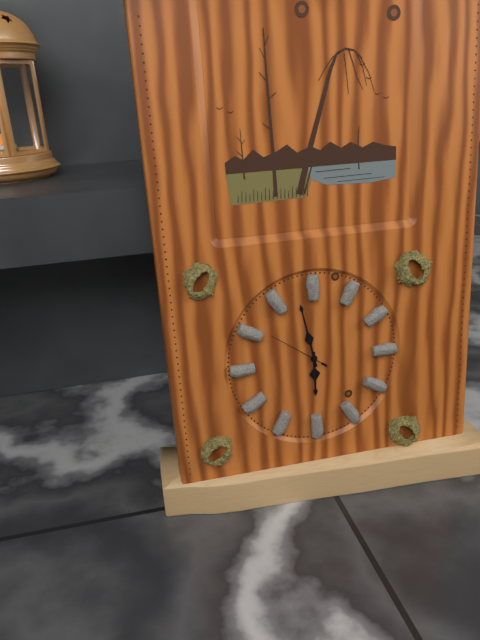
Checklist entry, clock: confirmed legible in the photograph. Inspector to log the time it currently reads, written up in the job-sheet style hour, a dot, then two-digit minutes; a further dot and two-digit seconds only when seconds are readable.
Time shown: 5.58.51
